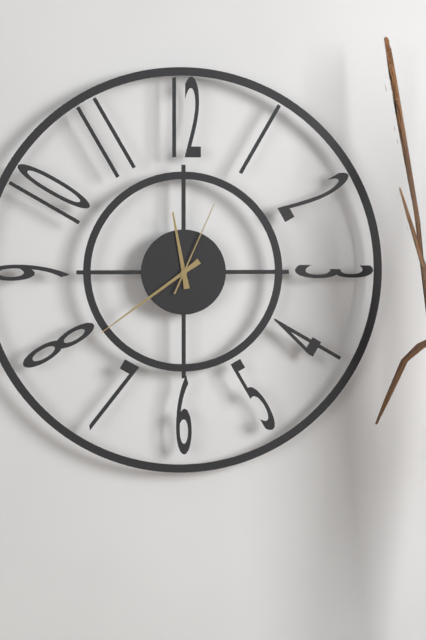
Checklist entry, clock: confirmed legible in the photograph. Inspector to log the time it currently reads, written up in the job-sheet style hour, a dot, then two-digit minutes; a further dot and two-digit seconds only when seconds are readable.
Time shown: 11.39.04
